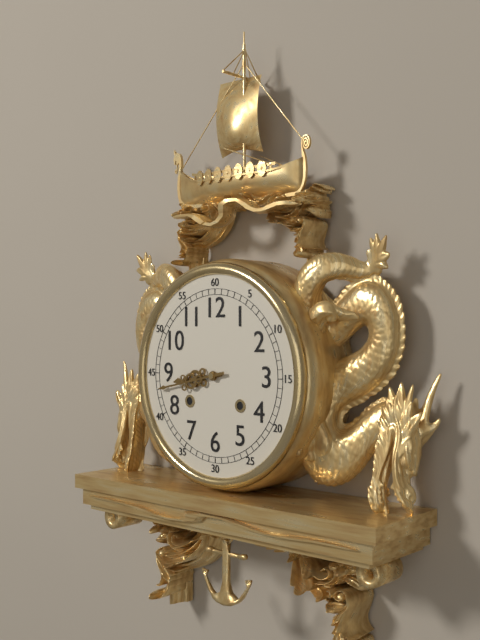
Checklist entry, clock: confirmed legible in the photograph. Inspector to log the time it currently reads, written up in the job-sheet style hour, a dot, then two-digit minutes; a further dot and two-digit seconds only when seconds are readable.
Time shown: 8.43
